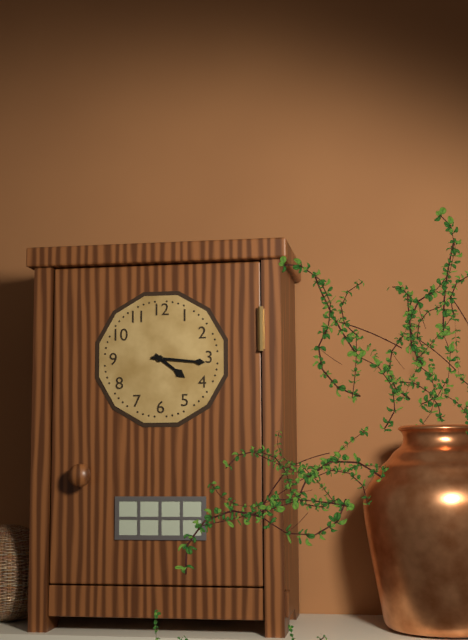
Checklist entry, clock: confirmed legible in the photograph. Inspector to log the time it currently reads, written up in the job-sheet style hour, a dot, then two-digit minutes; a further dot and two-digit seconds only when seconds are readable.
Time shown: 4.16
